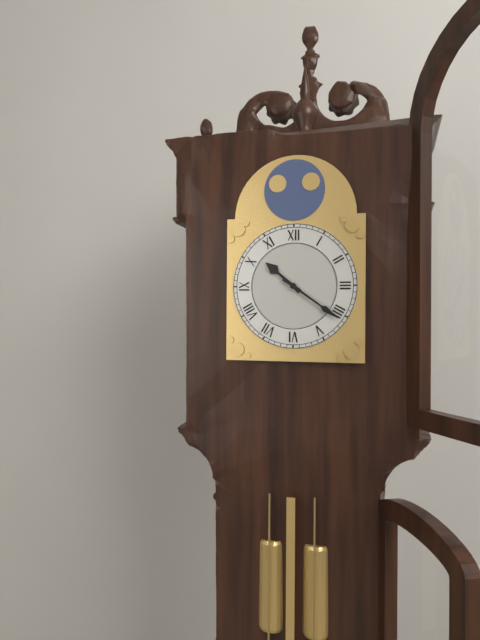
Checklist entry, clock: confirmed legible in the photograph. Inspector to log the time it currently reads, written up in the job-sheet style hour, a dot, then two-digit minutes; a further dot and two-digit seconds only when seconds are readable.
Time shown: 10.21
